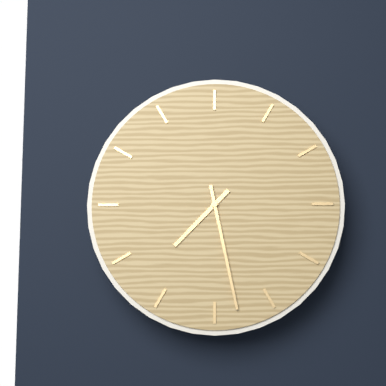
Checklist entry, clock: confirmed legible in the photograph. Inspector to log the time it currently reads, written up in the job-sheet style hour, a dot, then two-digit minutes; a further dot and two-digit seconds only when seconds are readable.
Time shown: 7.28
